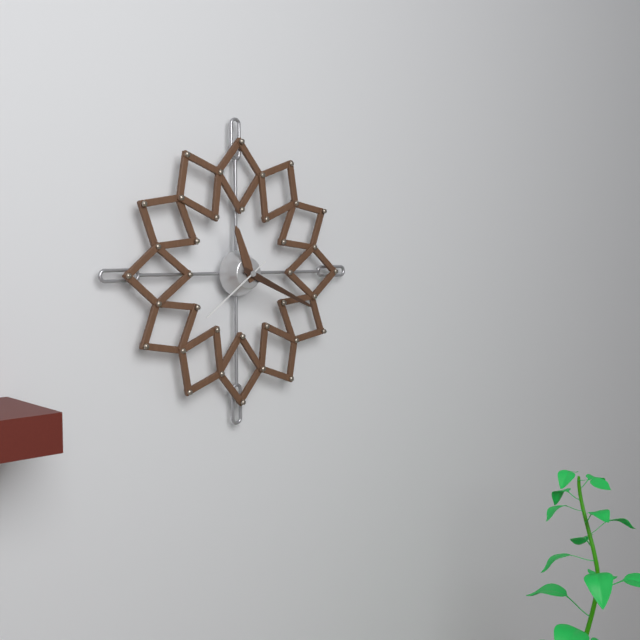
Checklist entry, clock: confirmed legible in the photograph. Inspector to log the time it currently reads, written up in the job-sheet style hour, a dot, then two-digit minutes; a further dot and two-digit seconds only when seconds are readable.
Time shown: 11.19.39
